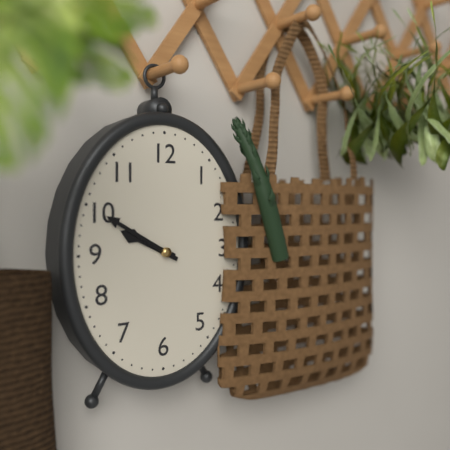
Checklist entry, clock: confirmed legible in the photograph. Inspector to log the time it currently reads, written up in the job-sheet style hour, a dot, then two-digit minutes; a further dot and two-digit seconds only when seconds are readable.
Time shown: 9.50
